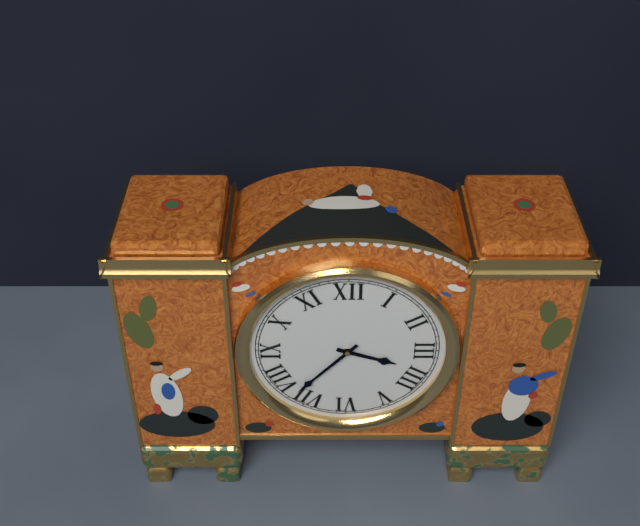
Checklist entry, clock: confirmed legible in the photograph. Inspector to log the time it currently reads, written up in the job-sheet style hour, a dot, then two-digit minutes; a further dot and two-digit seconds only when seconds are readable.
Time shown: 3.37
